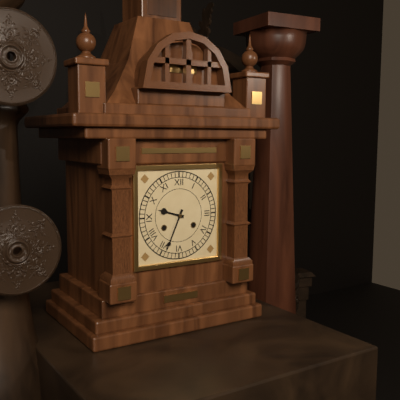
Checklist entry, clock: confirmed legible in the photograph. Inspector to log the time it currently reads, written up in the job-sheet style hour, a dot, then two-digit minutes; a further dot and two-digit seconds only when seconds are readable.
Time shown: 9.34
